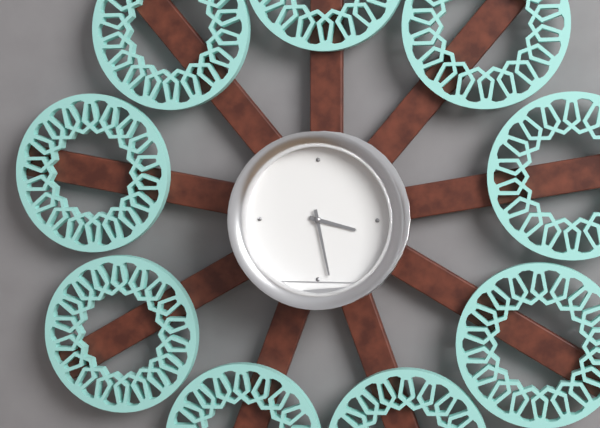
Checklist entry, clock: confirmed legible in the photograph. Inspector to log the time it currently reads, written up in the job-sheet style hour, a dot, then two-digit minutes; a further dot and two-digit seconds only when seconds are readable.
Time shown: 3.28
